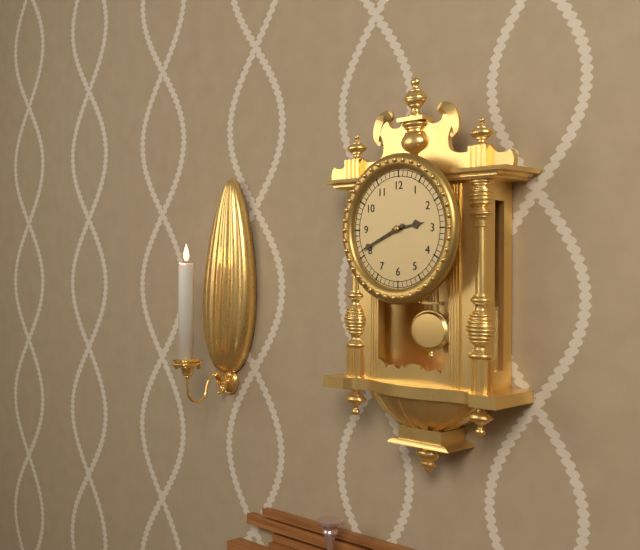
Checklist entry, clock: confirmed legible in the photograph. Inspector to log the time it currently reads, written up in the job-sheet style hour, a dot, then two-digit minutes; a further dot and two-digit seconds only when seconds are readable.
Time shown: 2.41
